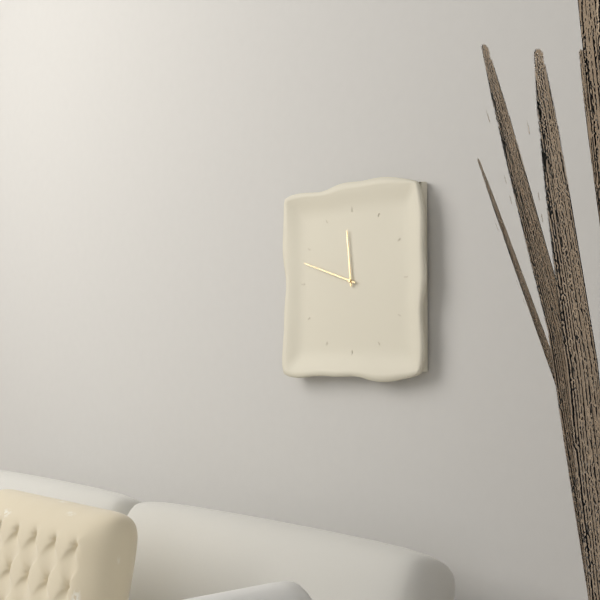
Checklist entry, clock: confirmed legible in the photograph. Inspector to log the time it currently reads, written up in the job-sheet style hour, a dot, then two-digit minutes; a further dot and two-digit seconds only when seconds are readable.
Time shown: 11.48
